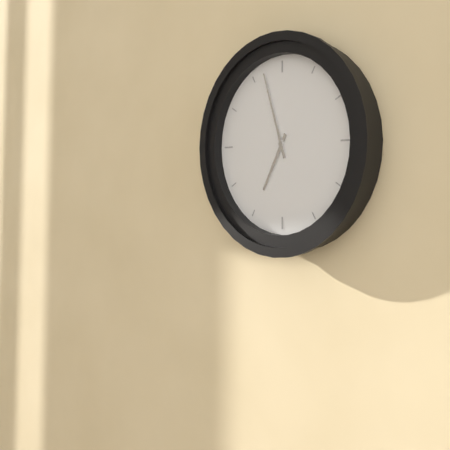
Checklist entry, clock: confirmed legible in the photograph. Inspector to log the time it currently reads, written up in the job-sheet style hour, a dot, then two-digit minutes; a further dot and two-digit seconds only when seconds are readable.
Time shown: 6.57
